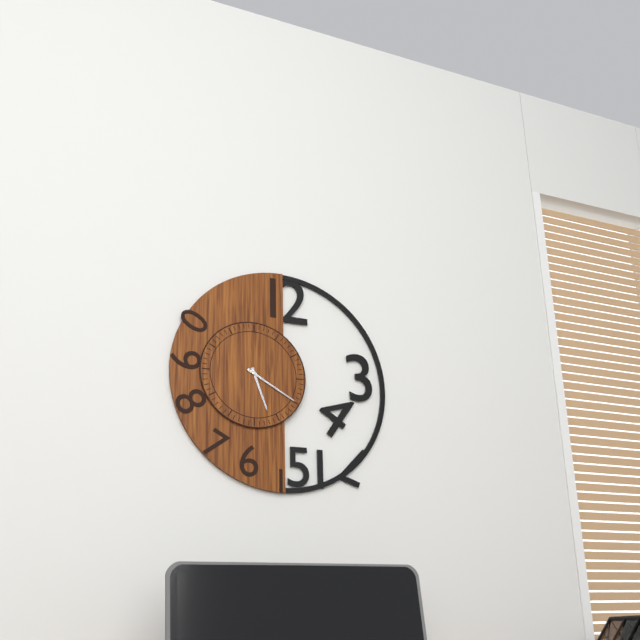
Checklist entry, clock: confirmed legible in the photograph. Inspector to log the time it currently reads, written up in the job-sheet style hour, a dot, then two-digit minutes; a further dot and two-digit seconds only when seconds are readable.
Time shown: 5.20
